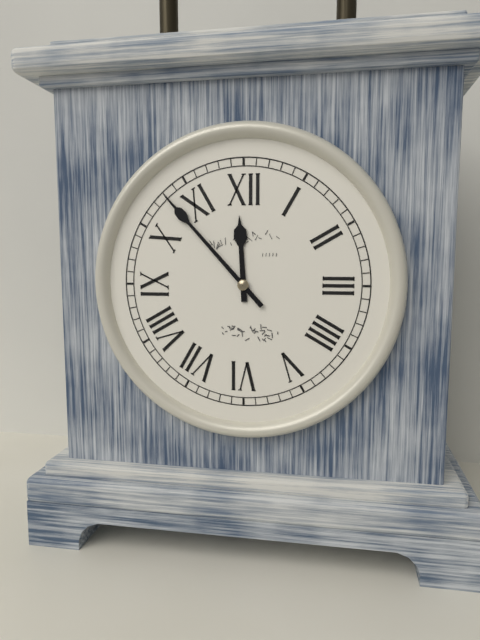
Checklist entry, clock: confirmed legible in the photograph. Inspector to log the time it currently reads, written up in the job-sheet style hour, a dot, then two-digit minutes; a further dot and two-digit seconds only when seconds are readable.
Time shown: 11.53
